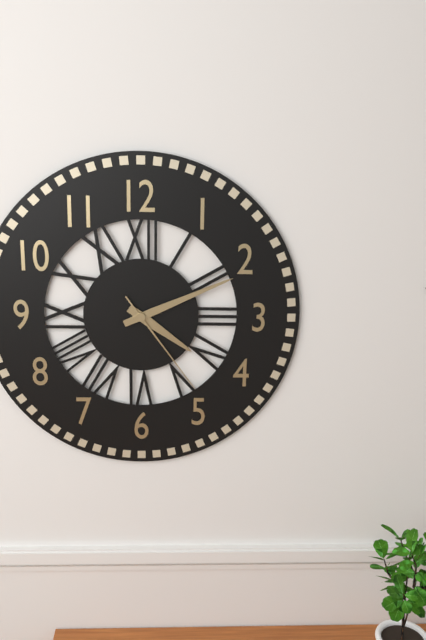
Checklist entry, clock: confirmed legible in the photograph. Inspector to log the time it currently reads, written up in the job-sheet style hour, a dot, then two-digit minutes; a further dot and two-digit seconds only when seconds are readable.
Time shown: 4.11.24
